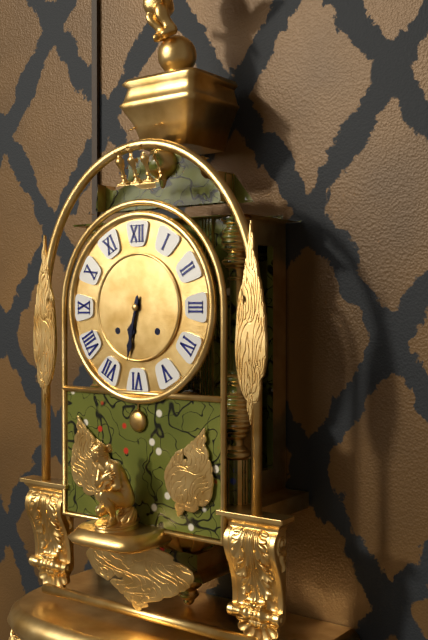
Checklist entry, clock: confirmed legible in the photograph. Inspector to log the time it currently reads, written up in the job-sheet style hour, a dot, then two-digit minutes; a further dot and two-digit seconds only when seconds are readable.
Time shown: 6.32
